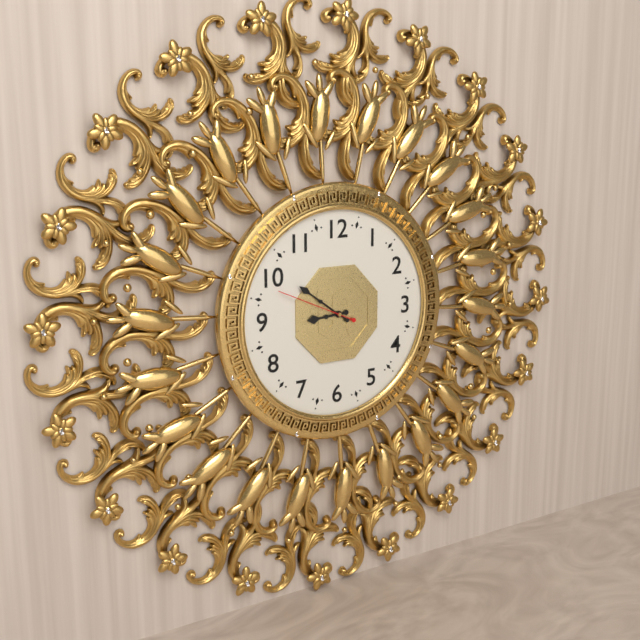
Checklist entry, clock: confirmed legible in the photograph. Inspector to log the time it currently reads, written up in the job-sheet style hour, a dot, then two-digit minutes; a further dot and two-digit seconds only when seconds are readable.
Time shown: 8.51.49
